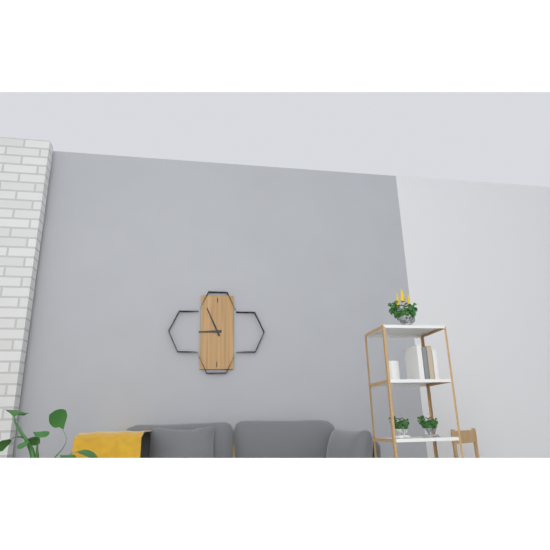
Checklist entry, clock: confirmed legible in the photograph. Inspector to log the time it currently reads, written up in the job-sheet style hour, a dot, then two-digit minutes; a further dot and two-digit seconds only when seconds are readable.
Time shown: 8.56
